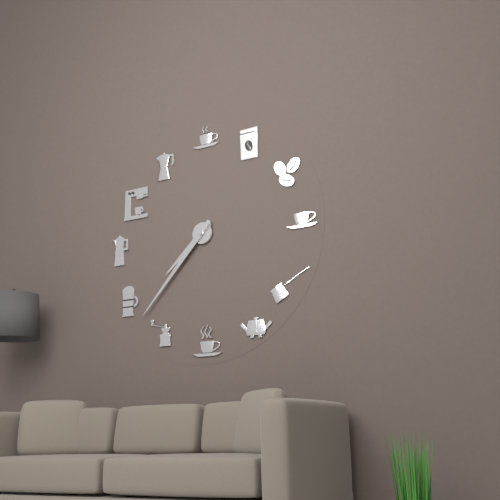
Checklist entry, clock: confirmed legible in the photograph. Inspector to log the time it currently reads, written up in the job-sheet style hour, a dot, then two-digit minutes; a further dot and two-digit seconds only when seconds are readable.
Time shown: 7.37
